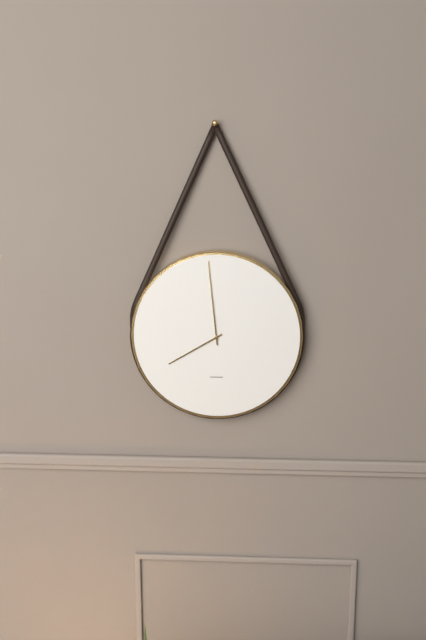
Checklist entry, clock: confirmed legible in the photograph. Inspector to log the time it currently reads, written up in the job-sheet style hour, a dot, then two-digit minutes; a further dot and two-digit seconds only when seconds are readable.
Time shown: 7.59
